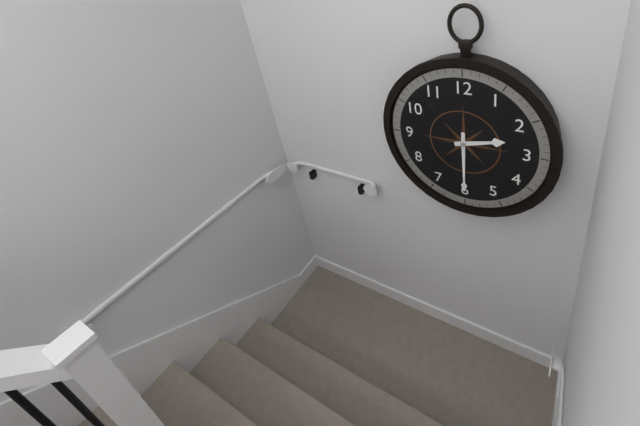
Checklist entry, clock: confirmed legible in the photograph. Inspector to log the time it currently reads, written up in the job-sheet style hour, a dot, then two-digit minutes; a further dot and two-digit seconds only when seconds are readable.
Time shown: 2.30
